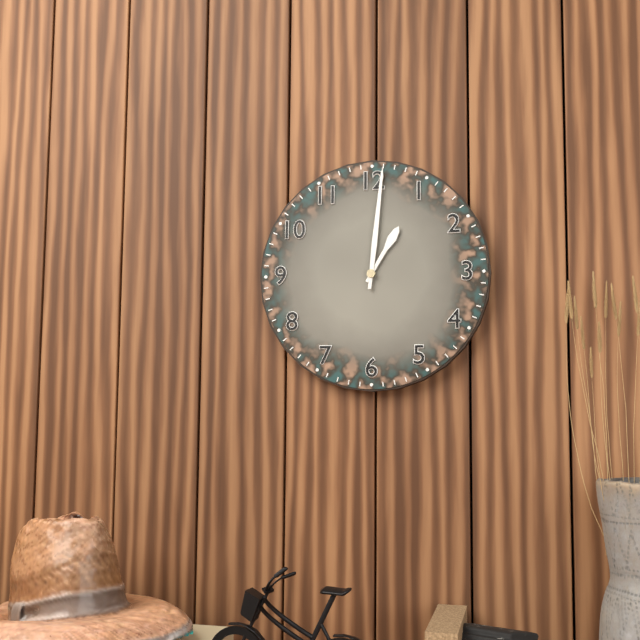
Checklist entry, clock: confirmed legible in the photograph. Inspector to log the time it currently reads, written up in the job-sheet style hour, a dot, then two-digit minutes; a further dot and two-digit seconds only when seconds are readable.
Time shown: 1.01
